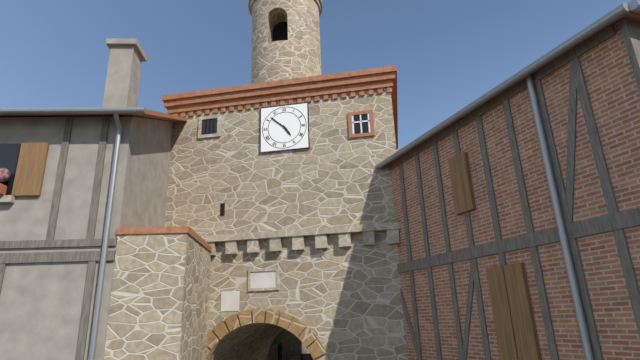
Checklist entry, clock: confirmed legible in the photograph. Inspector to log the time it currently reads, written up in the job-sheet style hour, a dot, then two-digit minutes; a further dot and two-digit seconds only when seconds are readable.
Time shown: 4.52
